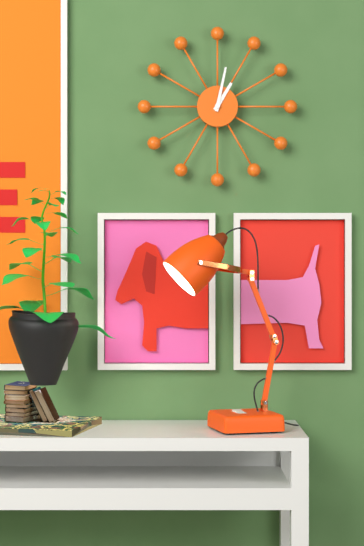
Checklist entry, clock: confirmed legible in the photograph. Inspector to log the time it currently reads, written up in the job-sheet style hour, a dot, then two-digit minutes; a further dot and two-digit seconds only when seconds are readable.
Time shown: 1.02
